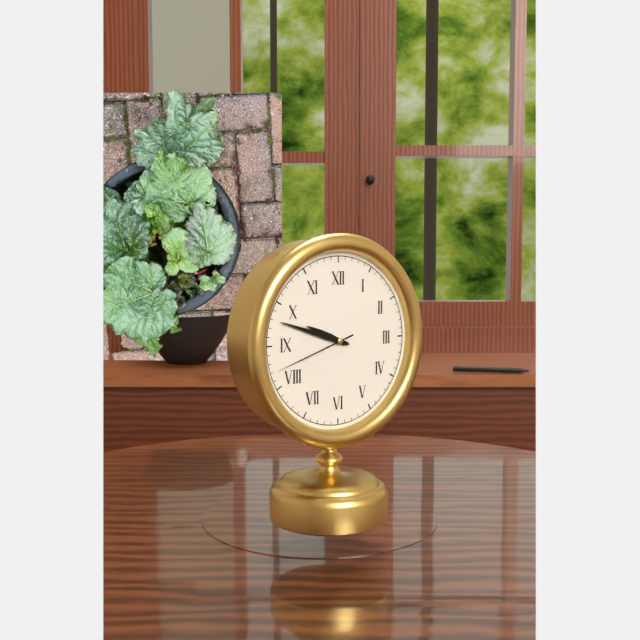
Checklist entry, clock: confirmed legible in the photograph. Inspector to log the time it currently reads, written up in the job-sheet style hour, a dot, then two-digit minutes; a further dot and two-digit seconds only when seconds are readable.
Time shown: 9.48.42
